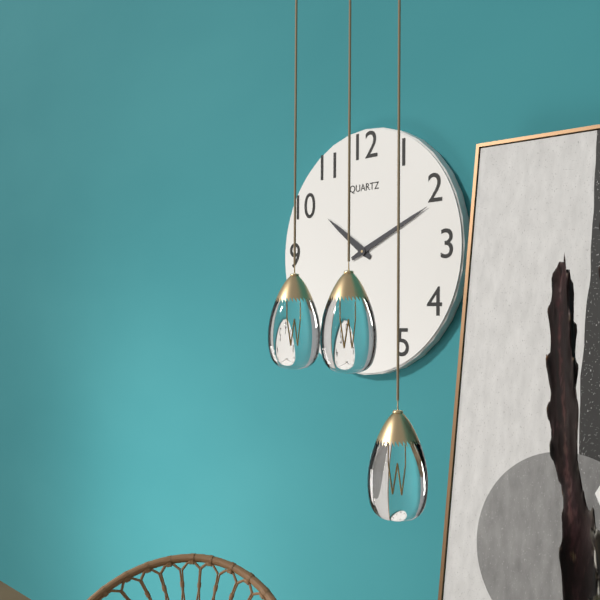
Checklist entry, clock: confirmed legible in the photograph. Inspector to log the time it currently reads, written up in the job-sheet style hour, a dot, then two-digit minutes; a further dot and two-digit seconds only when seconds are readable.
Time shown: 10.11
